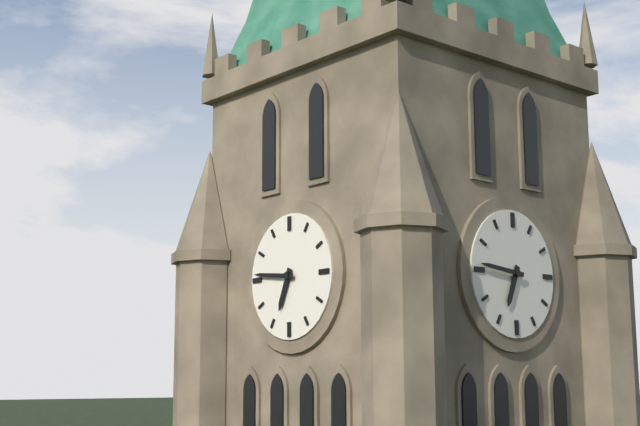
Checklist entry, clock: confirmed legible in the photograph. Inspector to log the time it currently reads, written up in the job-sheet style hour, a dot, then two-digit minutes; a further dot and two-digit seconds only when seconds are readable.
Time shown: 6.46
